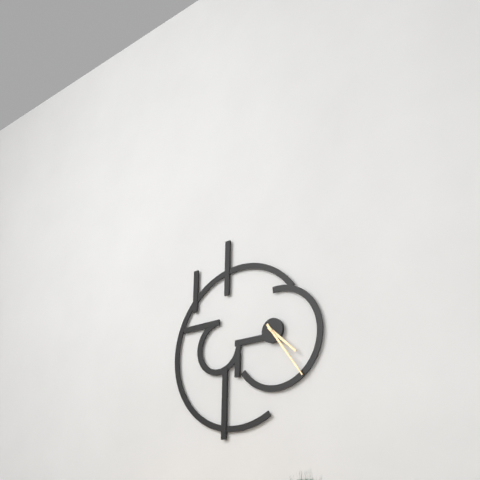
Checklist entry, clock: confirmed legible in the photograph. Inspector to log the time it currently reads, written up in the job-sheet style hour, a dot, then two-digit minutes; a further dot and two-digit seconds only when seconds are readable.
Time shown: 4.24
